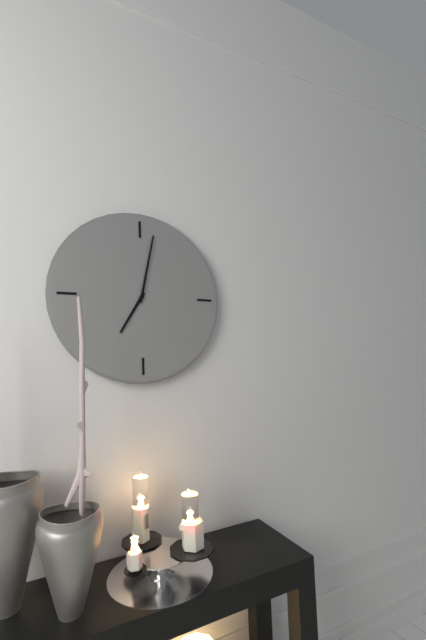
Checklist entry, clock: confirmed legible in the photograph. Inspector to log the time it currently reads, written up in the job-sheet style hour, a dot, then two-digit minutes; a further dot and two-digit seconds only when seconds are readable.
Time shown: 7.02
